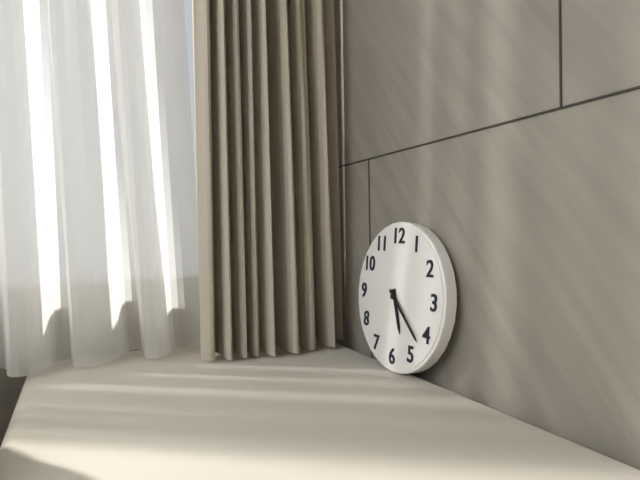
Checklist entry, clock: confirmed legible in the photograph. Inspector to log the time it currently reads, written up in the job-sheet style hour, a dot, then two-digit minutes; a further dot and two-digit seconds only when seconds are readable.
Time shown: 5.22
